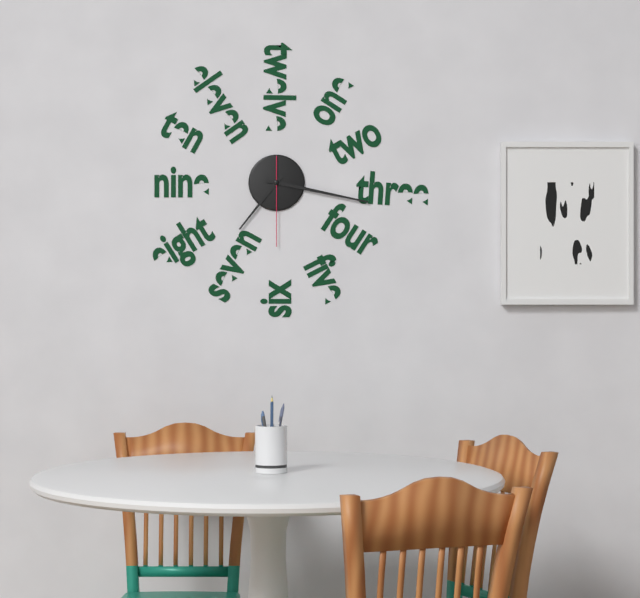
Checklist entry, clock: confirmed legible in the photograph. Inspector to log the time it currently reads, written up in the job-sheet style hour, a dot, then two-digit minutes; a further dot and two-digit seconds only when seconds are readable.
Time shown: 7.17.30
